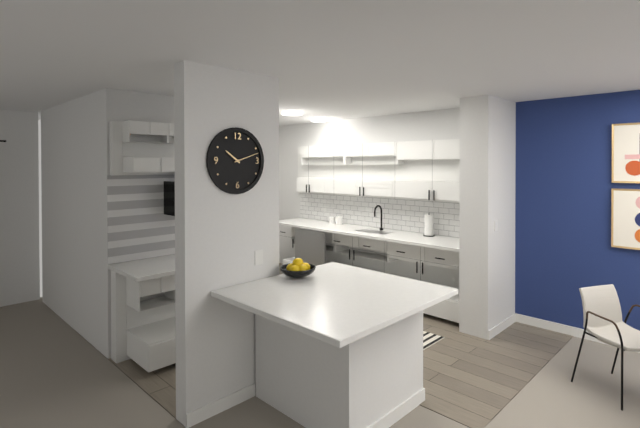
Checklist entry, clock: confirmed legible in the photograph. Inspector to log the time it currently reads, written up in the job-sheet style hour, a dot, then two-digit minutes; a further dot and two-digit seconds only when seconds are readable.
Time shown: 10.12
